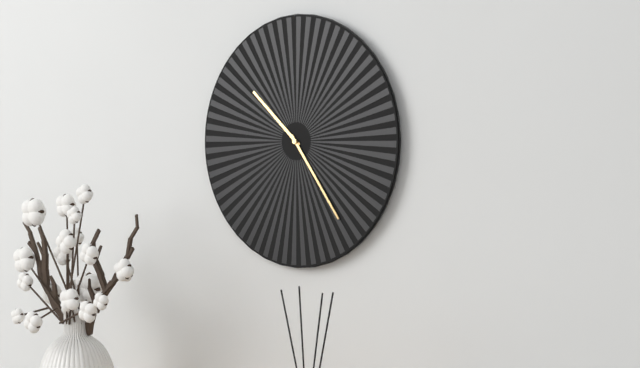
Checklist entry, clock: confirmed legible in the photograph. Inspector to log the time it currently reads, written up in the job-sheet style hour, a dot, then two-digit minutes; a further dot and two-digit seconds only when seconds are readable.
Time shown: 10.24
